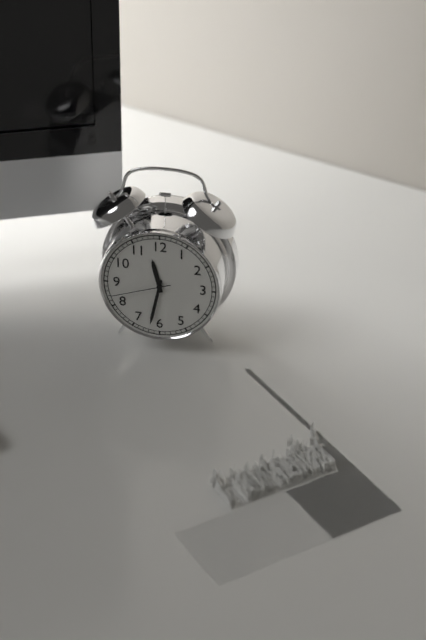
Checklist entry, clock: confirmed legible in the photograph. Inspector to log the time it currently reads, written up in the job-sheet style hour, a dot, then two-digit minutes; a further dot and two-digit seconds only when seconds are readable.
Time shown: 11.32.42
